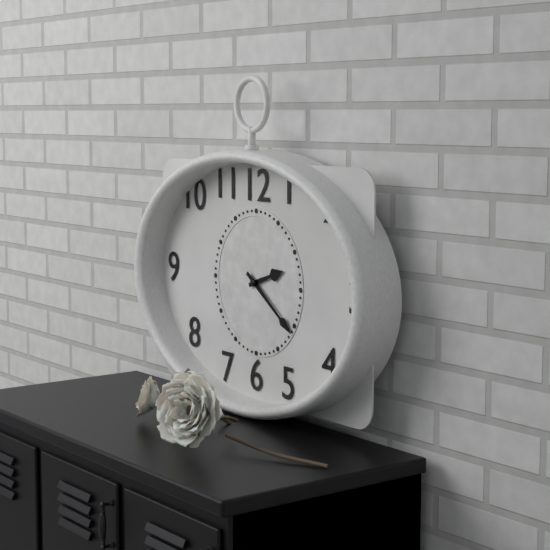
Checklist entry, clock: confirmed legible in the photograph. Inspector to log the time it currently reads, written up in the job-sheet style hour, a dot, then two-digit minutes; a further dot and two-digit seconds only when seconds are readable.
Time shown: 2.21
